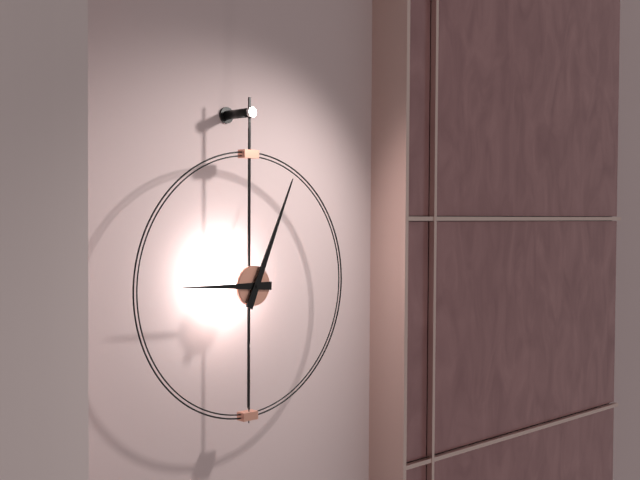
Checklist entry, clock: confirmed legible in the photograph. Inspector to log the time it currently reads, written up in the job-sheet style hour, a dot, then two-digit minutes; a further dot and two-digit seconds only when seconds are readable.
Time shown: 9.04
